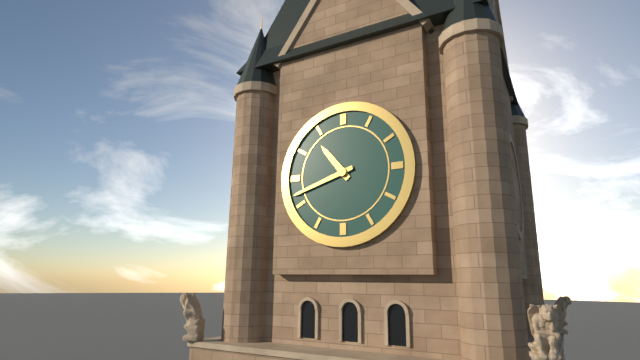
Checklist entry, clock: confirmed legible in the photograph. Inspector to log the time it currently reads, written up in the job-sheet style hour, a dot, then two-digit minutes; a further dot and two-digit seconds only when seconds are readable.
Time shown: 10.42
